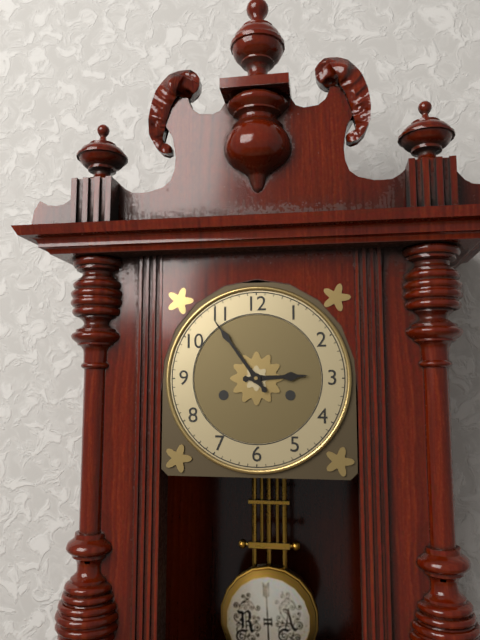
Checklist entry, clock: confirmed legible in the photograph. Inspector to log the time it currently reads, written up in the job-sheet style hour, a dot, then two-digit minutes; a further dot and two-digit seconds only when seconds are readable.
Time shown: 2.54
